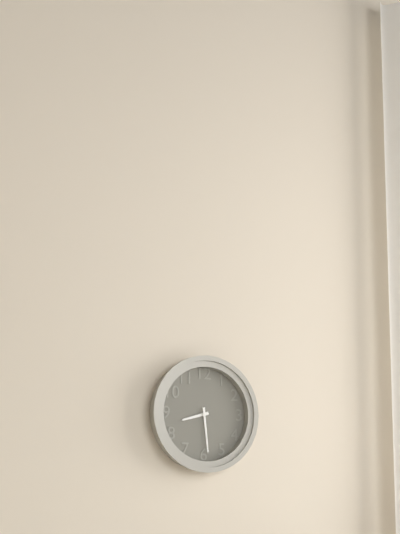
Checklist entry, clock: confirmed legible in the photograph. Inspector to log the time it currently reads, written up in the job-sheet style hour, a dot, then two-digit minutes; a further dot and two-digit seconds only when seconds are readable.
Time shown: 8.29
